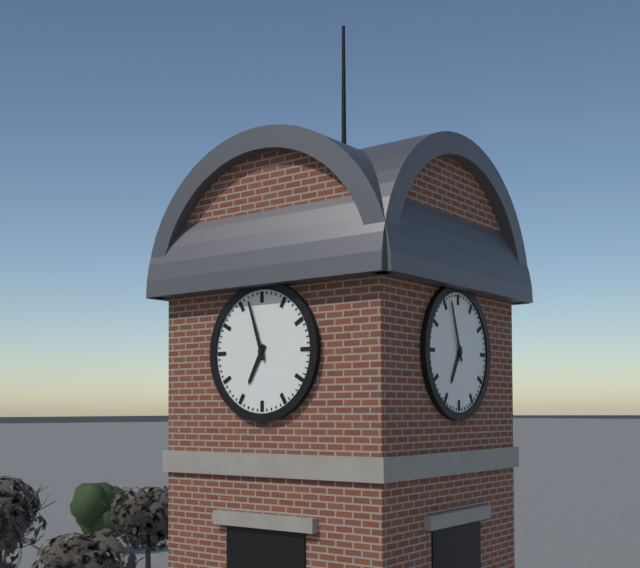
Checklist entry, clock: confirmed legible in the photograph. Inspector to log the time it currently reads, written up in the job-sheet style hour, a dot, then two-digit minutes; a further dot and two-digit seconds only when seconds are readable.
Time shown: 6.57
